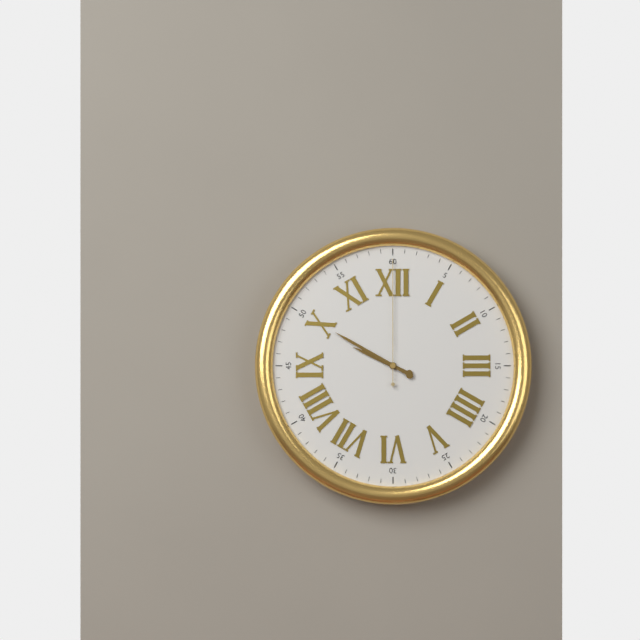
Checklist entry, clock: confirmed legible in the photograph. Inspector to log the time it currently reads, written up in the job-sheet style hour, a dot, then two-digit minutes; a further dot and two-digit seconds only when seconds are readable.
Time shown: 9.50.00
